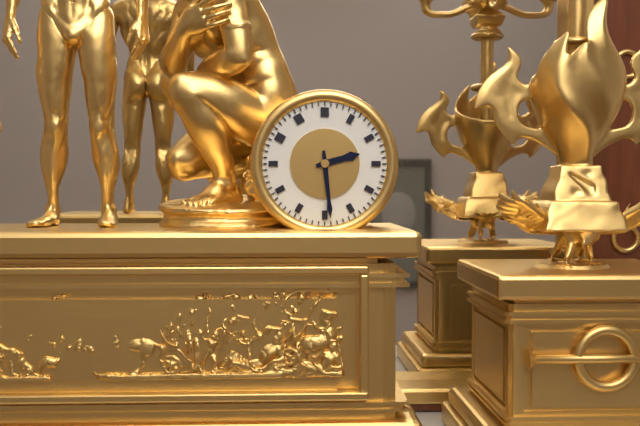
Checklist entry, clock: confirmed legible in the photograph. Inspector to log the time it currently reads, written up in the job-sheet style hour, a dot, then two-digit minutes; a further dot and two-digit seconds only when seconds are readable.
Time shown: 2.29
